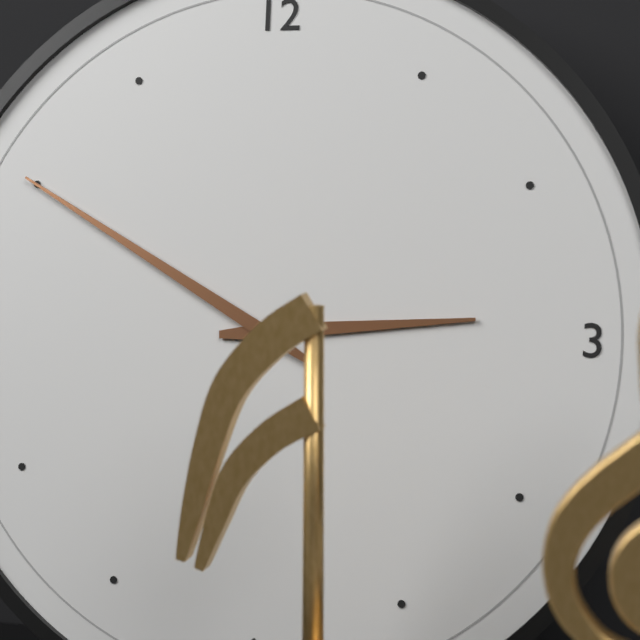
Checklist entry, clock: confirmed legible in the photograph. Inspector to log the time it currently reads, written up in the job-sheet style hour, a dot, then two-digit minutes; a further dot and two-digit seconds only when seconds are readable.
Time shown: 2.50
